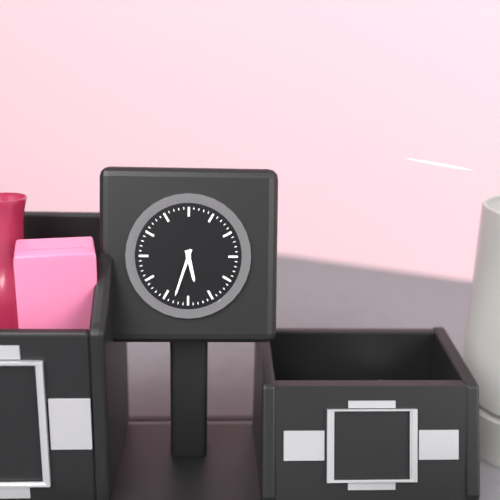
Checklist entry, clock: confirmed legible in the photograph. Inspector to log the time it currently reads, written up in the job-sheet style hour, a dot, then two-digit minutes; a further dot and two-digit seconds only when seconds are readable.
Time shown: 5.33
